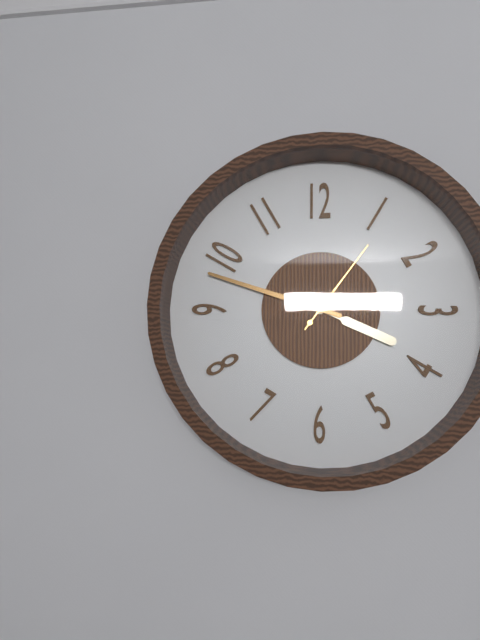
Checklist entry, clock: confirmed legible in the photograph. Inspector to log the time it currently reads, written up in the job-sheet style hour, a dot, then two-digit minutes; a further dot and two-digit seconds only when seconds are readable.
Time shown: 3.48.06
